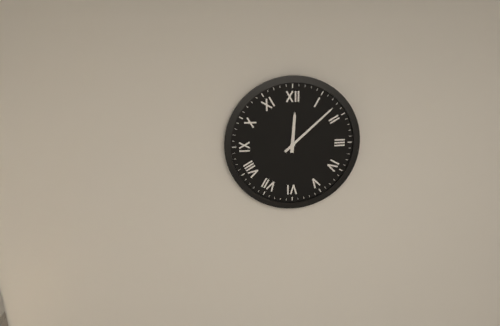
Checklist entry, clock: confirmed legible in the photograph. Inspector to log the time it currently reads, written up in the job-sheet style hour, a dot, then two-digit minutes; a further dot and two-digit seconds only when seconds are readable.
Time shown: 12.08
